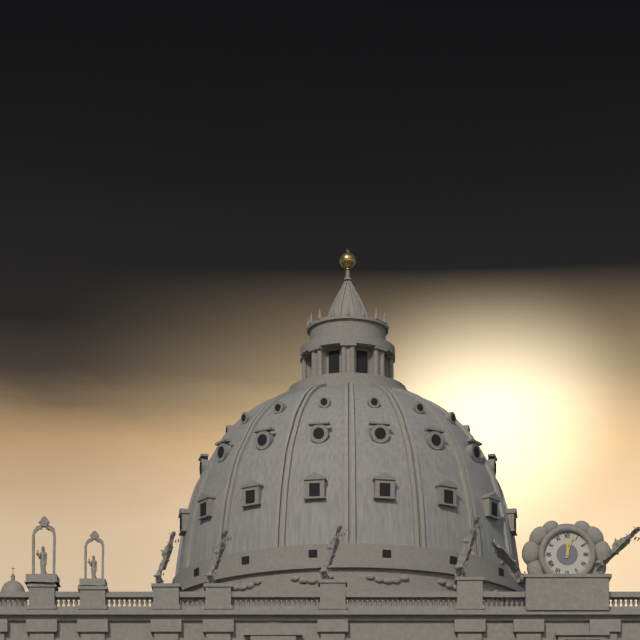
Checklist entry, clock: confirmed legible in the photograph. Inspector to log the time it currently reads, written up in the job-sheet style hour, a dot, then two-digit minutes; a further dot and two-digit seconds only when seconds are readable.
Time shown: 12.03
